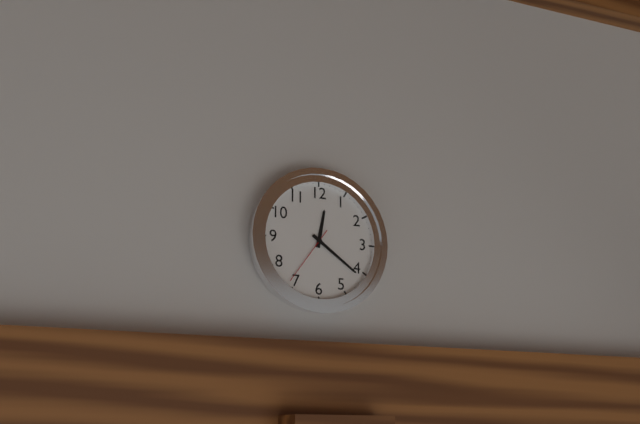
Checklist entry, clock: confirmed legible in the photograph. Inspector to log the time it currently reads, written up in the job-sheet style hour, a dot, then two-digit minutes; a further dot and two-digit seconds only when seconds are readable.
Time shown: 12.21.36
